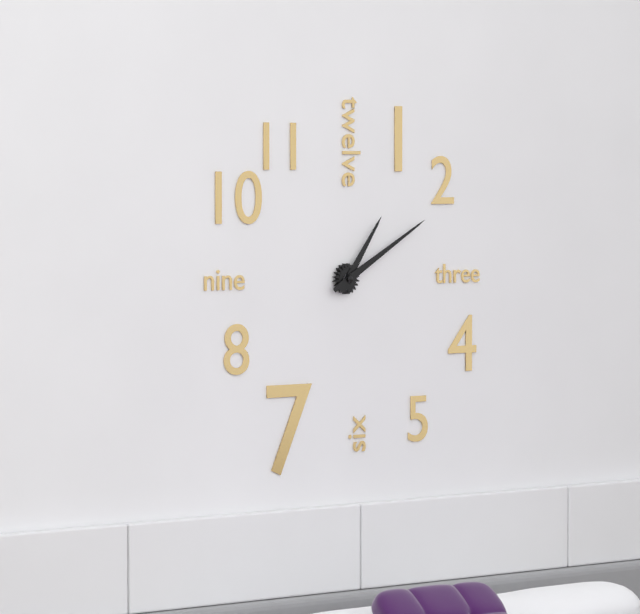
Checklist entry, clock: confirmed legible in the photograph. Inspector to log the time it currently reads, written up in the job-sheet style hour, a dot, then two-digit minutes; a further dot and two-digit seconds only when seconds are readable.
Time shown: 1.10
